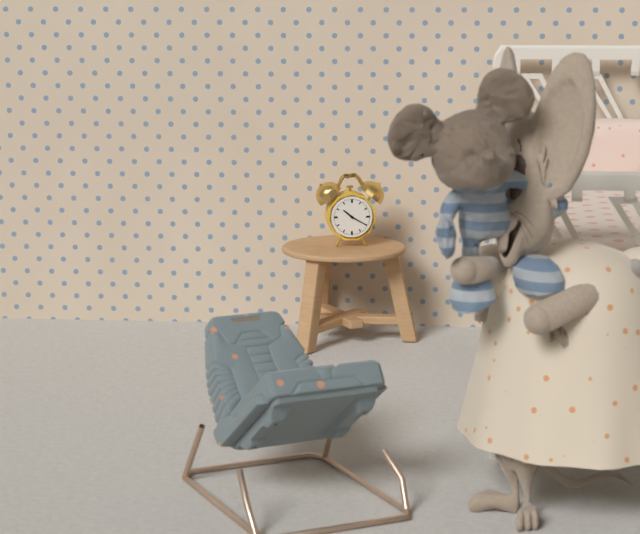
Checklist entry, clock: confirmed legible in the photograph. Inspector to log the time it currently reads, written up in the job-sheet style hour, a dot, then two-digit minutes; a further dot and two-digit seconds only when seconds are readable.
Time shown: 10.20
